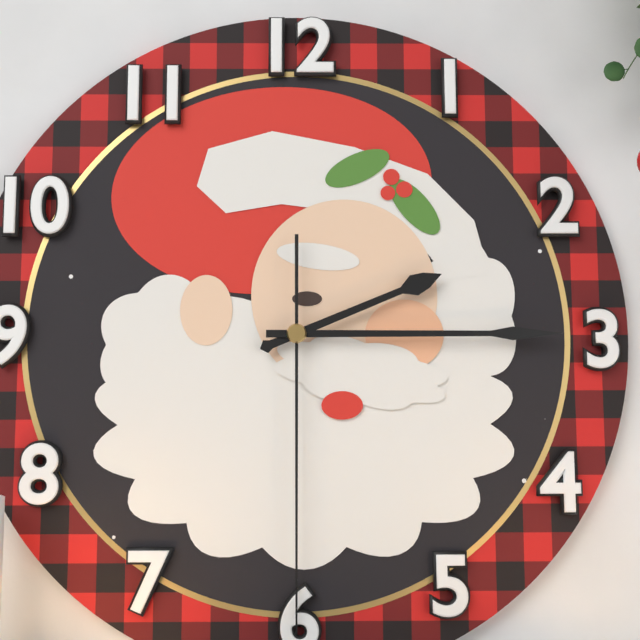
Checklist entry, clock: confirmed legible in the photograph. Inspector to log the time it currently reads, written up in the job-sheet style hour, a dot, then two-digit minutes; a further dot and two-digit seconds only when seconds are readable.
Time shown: 2.15.30
